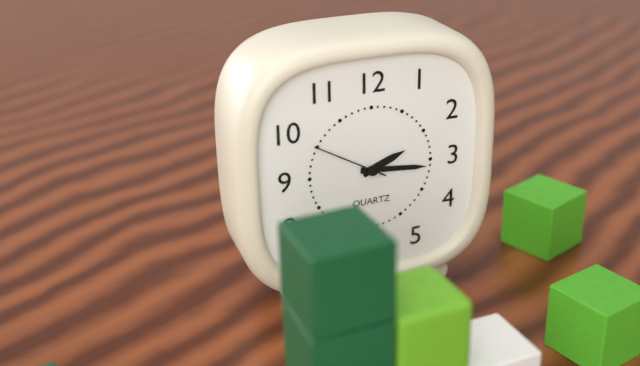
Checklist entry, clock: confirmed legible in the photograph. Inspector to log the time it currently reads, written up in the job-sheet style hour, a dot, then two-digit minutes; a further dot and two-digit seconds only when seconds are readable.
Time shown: 2.16.50
